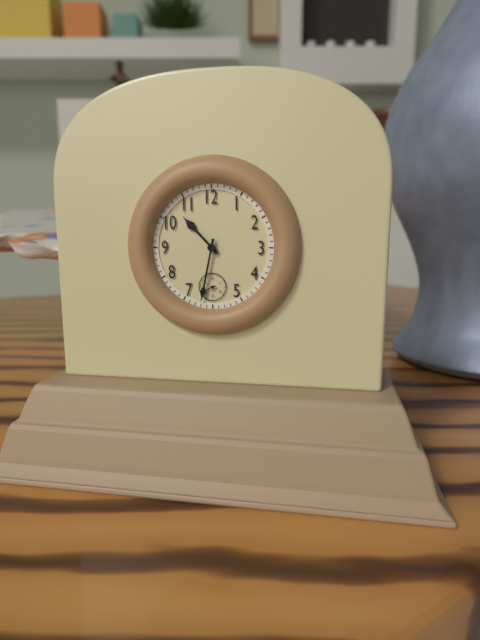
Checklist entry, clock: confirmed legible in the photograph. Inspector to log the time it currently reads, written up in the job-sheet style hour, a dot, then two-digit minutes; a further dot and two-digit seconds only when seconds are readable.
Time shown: 10.32
